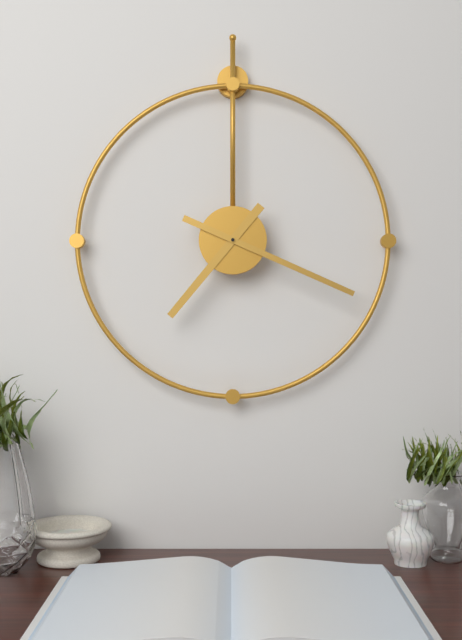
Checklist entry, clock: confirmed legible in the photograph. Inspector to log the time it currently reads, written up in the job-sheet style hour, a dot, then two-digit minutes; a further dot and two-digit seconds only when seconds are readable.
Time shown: 7.19
